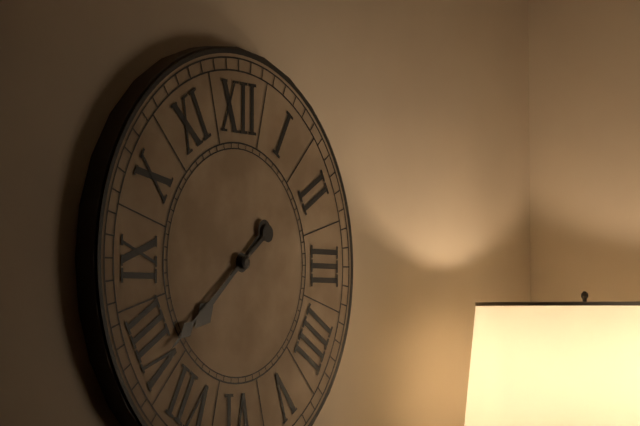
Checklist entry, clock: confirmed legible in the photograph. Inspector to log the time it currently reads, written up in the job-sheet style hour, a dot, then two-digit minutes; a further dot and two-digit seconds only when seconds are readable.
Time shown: 7.39
